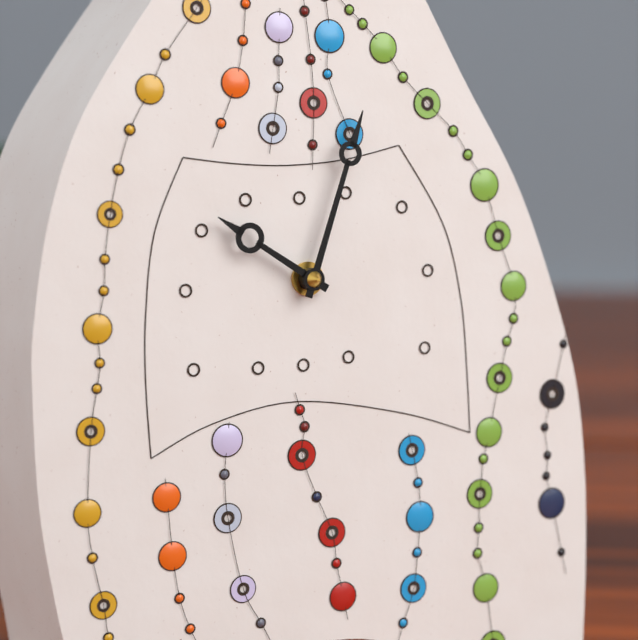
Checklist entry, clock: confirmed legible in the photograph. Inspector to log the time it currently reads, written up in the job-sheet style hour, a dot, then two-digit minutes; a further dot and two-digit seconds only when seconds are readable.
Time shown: 10.03
